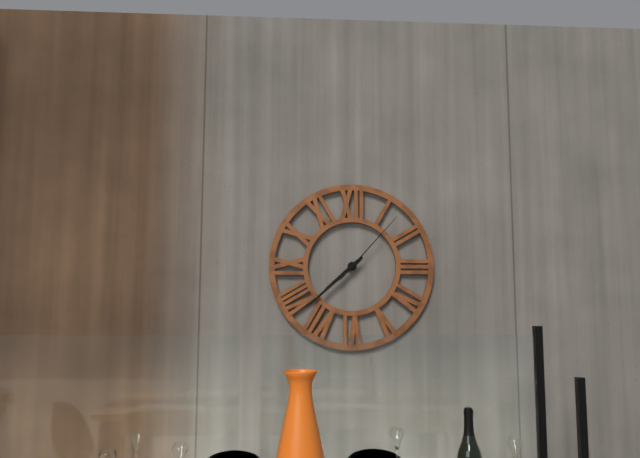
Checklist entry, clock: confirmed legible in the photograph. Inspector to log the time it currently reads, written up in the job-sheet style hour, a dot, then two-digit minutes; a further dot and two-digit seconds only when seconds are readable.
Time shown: 7.38.07
